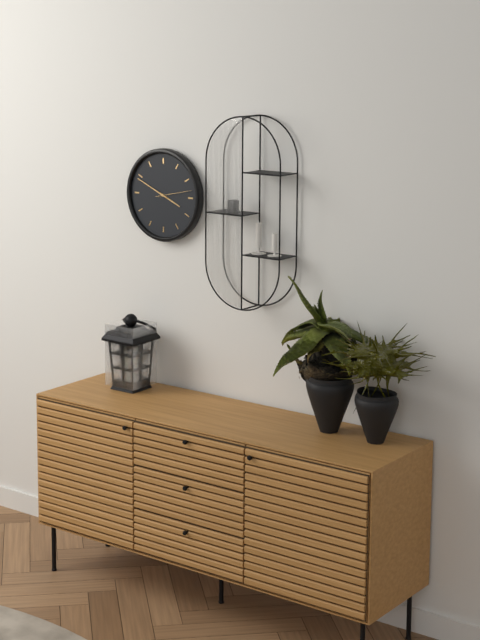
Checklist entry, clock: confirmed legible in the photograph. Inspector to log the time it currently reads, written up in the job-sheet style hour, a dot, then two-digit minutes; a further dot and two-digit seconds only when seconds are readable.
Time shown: 3.49
